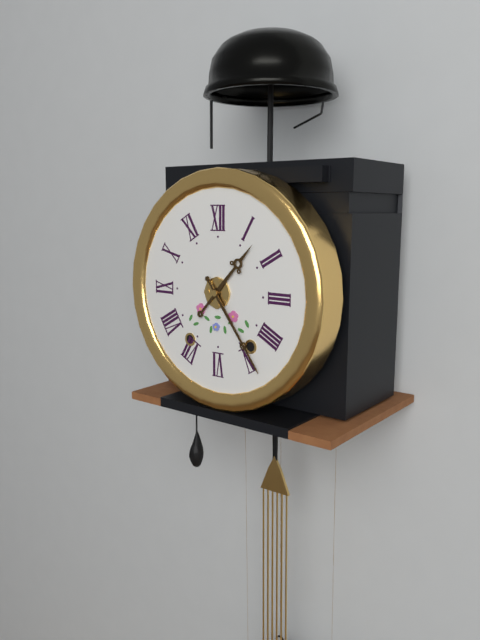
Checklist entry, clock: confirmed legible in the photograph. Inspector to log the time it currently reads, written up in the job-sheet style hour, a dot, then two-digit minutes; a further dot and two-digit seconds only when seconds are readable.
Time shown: 1.24
